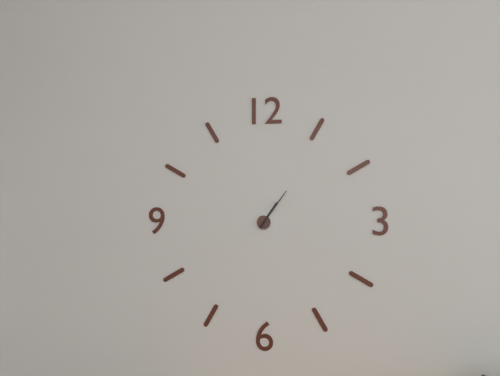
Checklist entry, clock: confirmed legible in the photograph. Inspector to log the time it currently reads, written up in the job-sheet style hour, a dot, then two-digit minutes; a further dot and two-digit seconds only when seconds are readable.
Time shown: 1.06
